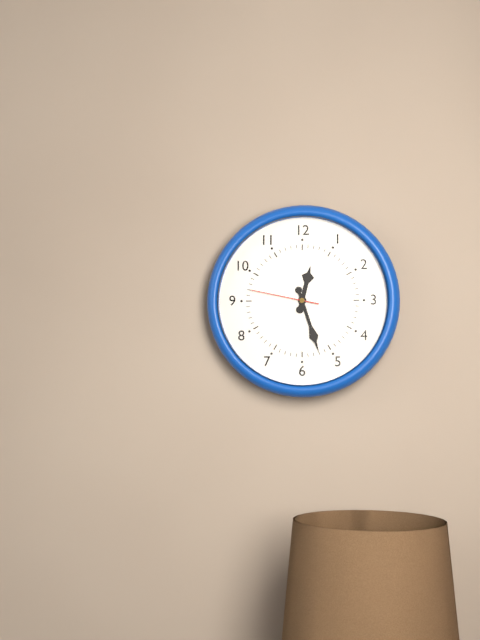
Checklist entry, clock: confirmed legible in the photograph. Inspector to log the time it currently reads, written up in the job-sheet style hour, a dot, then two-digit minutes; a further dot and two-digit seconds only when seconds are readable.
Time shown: 12.27.47
